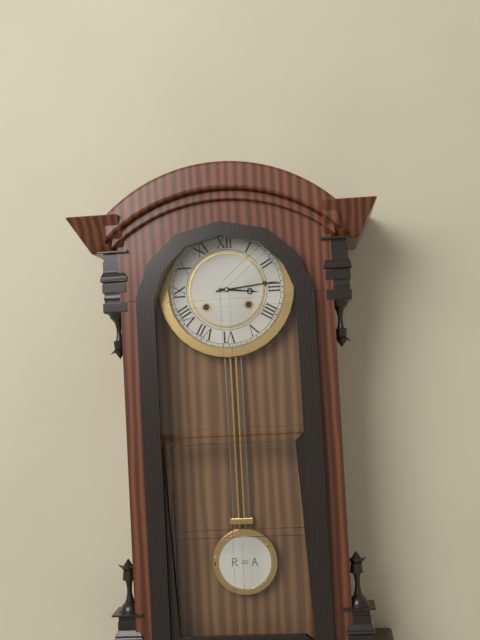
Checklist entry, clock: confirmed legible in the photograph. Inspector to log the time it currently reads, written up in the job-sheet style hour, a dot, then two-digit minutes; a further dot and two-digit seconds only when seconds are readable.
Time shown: 3.14
